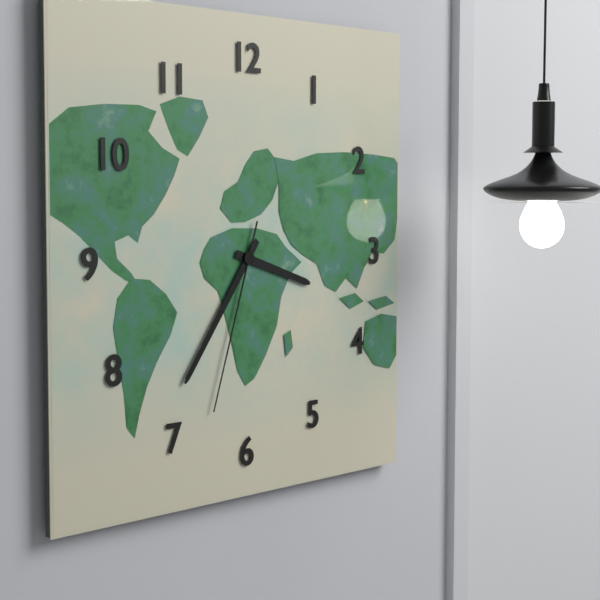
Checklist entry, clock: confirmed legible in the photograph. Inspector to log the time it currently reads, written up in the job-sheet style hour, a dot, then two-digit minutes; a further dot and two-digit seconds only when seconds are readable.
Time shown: 3.36.33
